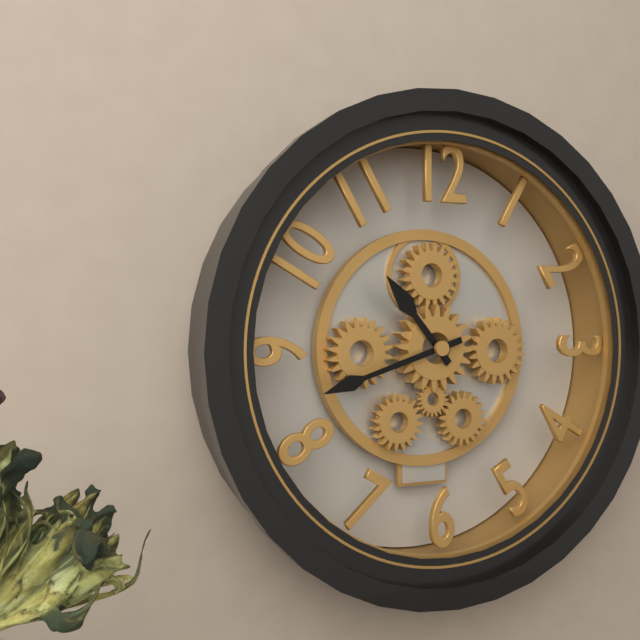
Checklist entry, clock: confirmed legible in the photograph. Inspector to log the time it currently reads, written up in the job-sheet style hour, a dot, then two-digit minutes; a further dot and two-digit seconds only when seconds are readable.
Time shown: 10.42
